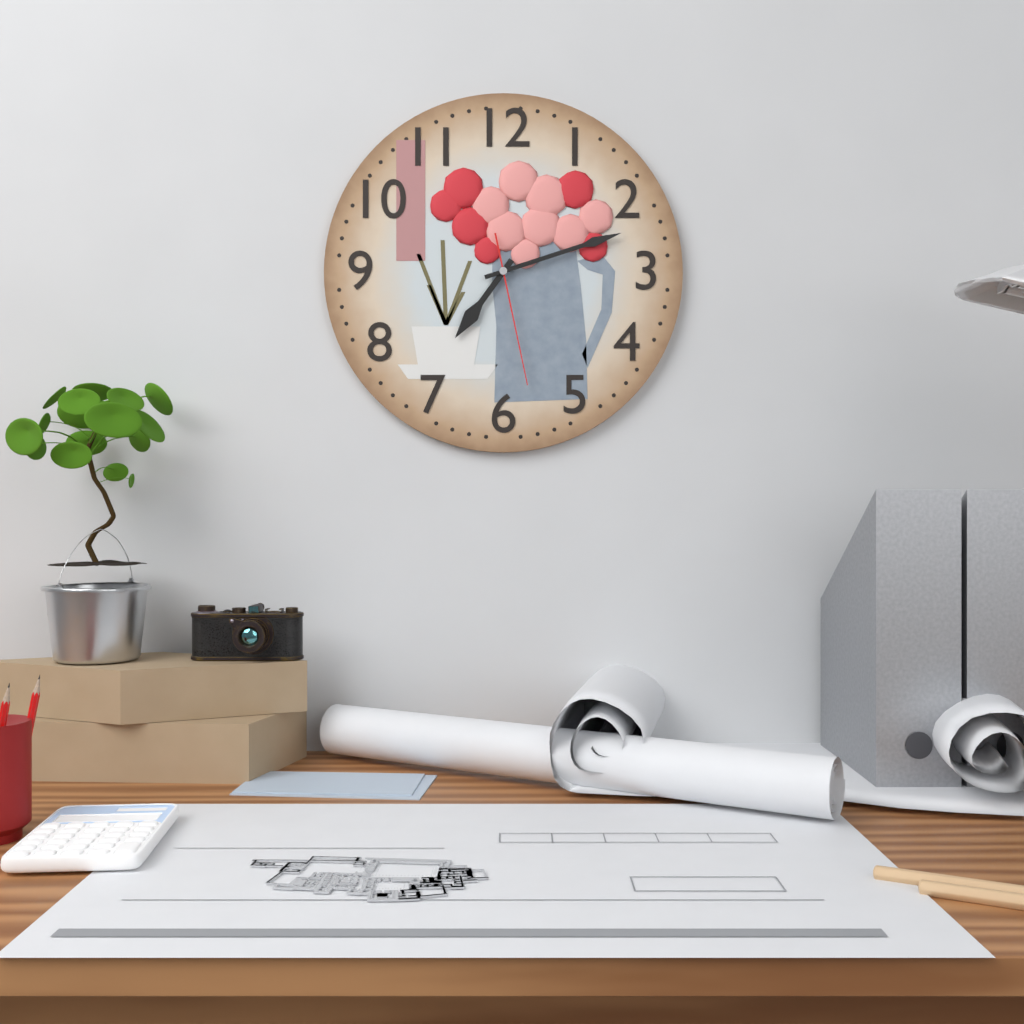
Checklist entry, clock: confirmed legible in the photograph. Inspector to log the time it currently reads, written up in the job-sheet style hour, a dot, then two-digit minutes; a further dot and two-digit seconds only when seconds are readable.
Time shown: 7.12.28
